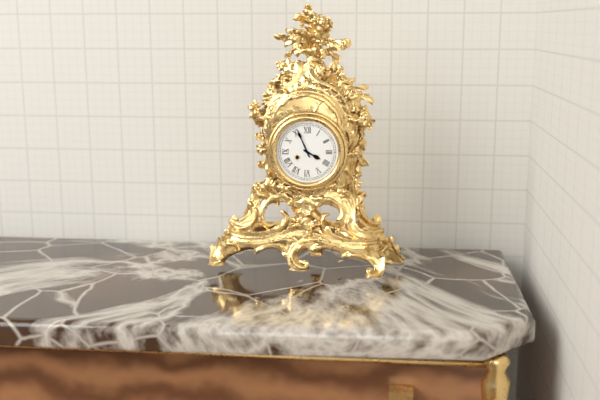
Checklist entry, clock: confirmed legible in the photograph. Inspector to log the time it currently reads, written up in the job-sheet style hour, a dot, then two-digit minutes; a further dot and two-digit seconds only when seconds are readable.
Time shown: 3.56
